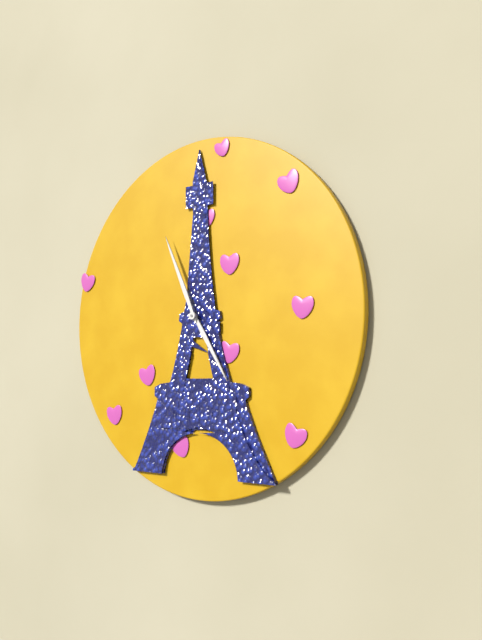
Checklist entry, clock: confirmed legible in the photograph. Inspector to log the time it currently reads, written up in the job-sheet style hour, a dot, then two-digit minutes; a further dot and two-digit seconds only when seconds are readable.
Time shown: 4.56
